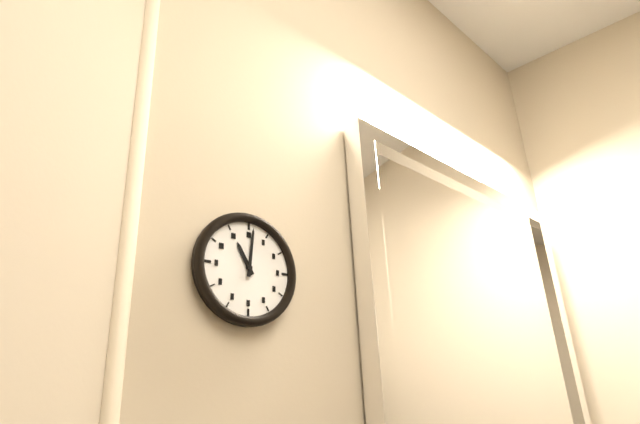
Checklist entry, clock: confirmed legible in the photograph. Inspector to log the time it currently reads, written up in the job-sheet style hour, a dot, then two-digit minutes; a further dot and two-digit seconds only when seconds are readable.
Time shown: 11.01
